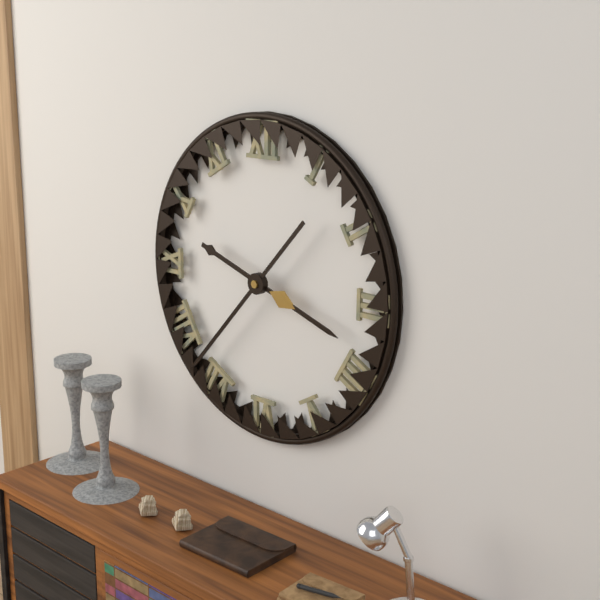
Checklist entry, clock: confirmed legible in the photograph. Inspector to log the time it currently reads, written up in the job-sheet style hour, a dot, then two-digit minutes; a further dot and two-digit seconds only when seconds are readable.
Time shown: 3.37
